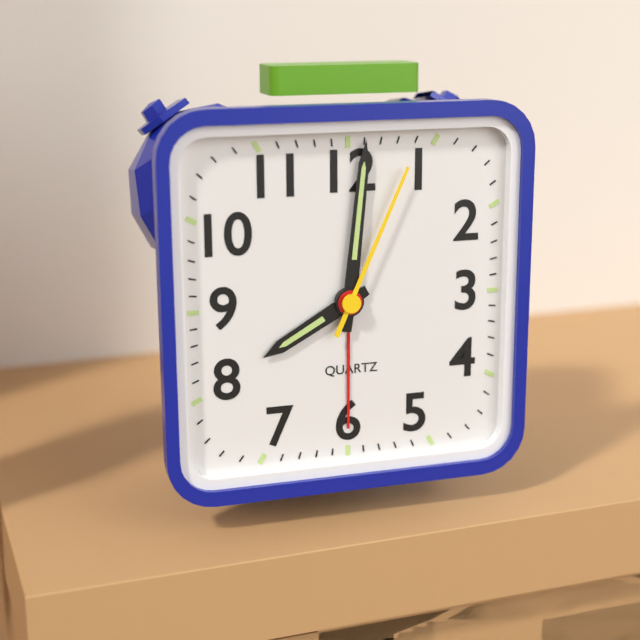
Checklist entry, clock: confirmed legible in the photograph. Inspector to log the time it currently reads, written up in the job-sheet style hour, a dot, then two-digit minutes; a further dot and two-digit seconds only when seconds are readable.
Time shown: 8.01.04
